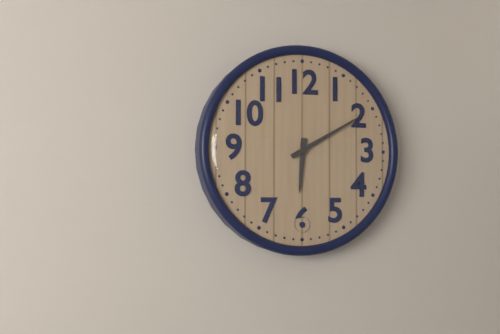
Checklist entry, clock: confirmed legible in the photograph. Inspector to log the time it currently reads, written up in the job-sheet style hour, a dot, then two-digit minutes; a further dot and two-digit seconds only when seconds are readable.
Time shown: 6.10
